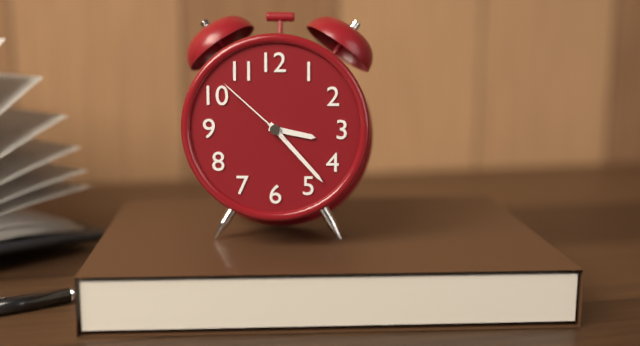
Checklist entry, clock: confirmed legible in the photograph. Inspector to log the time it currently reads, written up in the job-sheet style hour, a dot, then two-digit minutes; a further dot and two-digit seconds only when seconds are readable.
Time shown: 3.23.52
